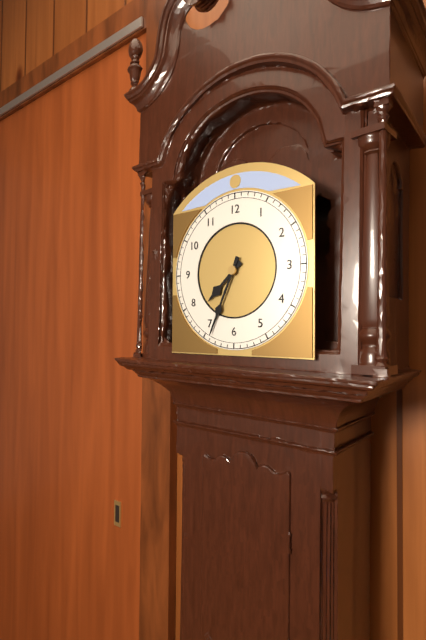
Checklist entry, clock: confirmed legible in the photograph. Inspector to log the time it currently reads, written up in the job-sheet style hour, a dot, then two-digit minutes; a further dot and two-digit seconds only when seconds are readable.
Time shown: 7.34
